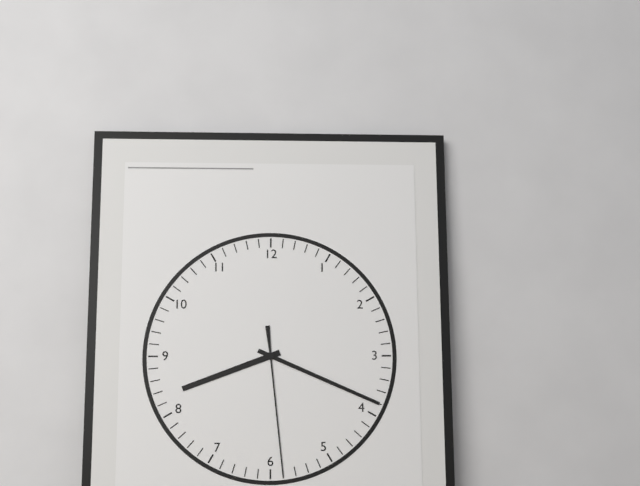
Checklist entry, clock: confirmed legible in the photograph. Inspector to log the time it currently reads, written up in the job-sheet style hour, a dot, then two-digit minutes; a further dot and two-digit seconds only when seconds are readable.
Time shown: 8.19.29
